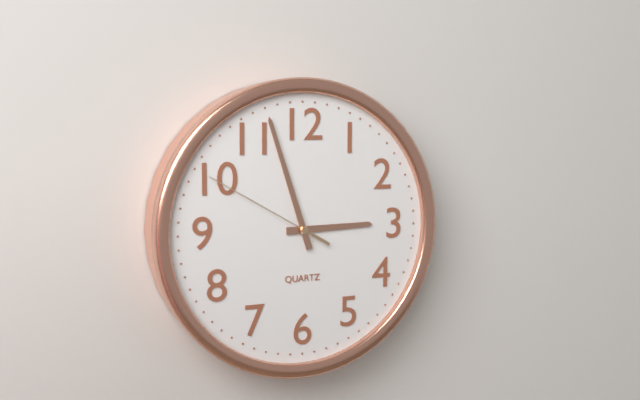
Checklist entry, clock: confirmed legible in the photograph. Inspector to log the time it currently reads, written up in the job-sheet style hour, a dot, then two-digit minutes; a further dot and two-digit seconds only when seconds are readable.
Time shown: 2.57.50
